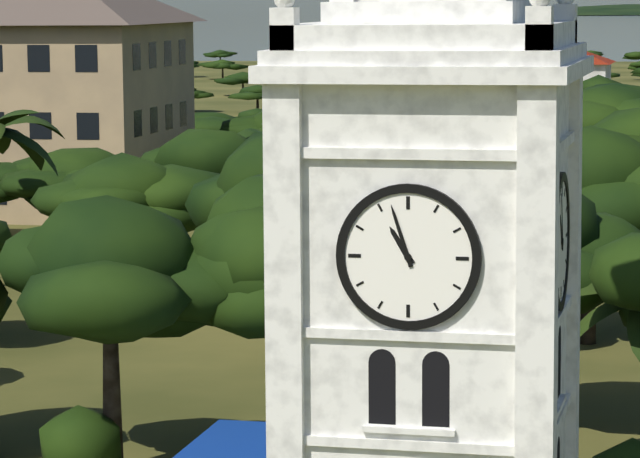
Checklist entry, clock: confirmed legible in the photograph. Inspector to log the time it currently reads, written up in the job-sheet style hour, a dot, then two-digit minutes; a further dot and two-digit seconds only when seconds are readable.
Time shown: 10.57
